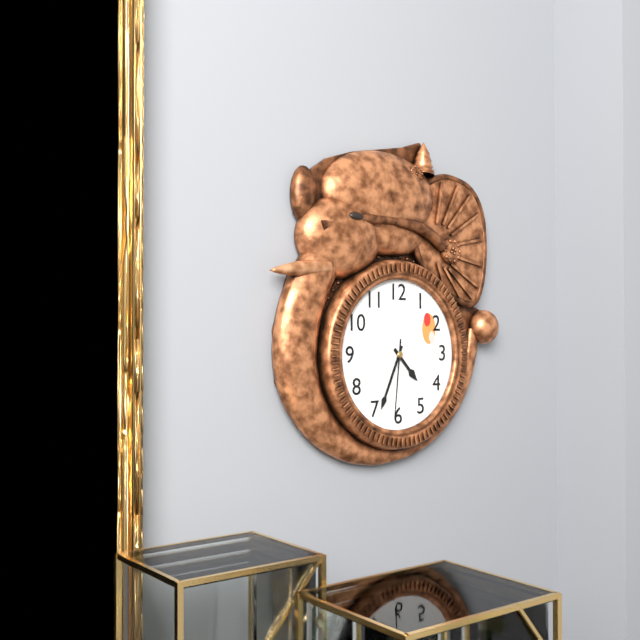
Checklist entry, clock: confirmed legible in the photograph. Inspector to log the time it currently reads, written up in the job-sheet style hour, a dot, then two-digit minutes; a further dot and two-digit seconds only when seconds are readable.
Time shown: 4.34.31
